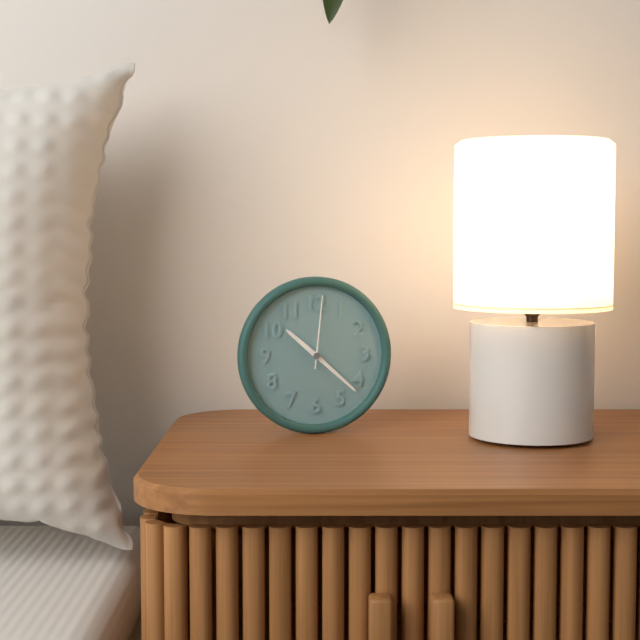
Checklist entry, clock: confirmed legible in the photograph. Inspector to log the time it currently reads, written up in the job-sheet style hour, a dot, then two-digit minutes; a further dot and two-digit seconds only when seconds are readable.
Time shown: 10.22.01
